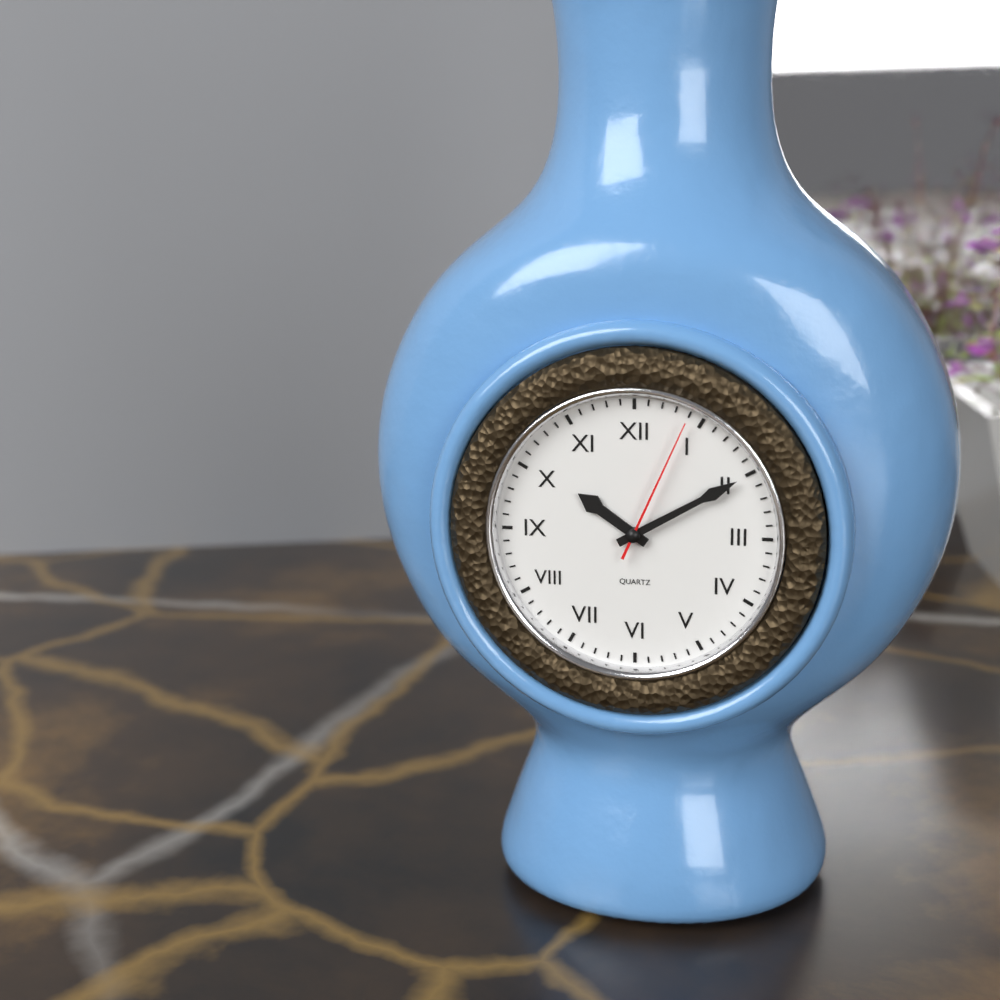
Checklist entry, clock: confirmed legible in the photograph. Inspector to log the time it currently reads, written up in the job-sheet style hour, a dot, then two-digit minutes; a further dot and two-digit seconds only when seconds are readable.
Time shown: 10.10.04
